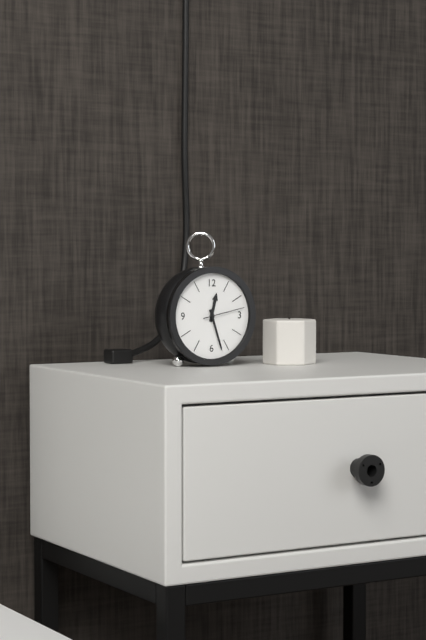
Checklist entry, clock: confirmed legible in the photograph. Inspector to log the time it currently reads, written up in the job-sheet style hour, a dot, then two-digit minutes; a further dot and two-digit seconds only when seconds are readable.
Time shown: 12.27
